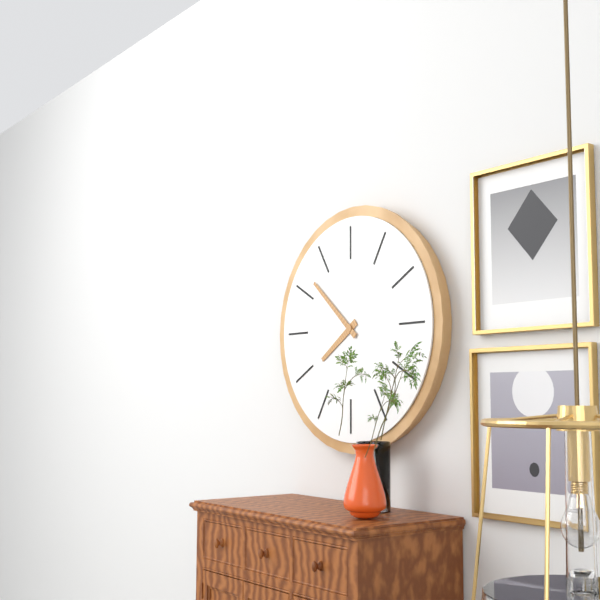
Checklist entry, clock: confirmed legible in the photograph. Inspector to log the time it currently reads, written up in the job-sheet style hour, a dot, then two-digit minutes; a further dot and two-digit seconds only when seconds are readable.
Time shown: 7.52
